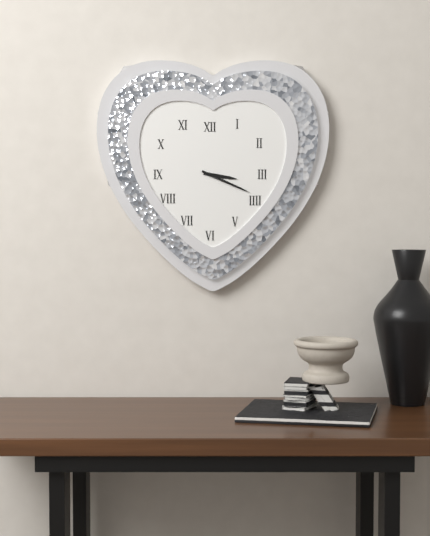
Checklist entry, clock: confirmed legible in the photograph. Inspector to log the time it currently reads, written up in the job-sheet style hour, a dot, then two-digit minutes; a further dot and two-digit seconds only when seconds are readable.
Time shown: 3.19
